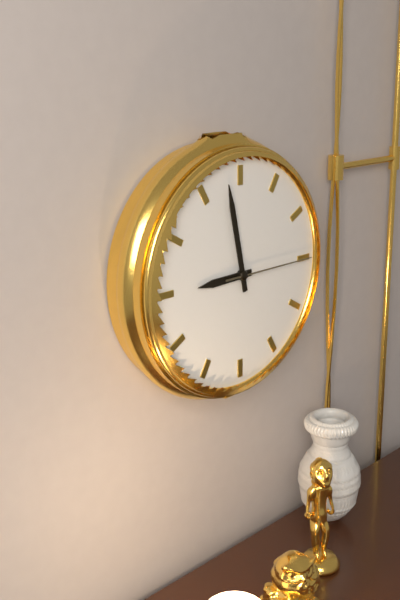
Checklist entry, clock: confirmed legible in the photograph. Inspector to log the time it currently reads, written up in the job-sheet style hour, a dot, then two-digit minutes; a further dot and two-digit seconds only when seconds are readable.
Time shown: 8.58.15
